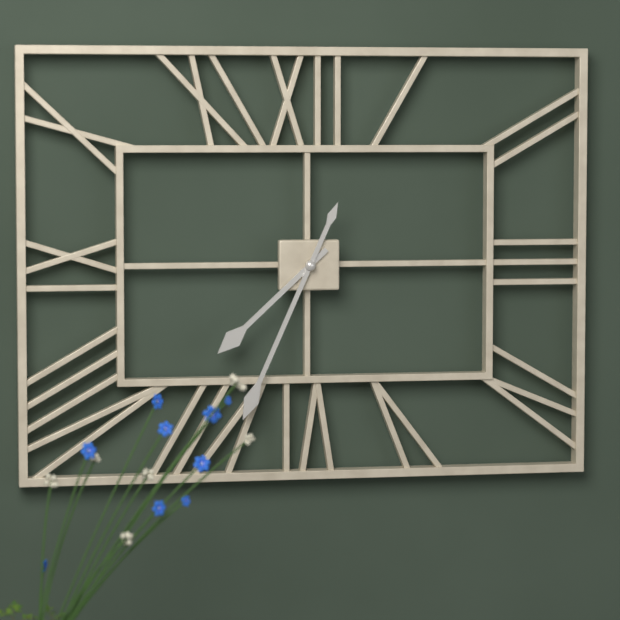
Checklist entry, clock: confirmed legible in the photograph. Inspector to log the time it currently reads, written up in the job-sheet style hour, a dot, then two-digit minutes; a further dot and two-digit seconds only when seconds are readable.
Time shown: 7.34
